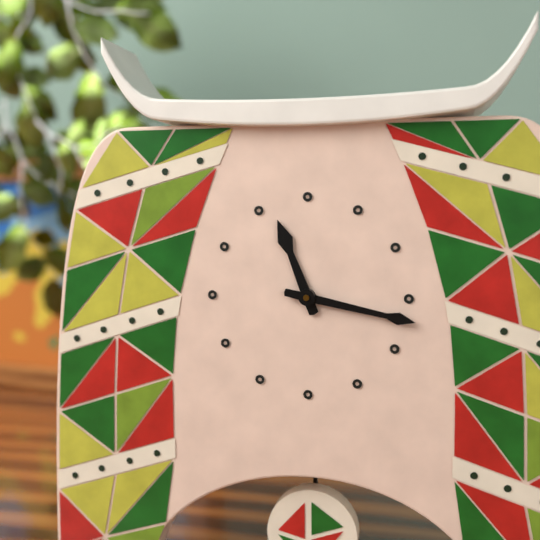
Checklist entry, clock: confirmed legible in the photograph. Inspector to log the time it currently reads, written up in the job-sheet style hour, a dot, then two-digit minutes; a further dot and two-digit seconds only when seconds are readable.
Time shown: 11.17
